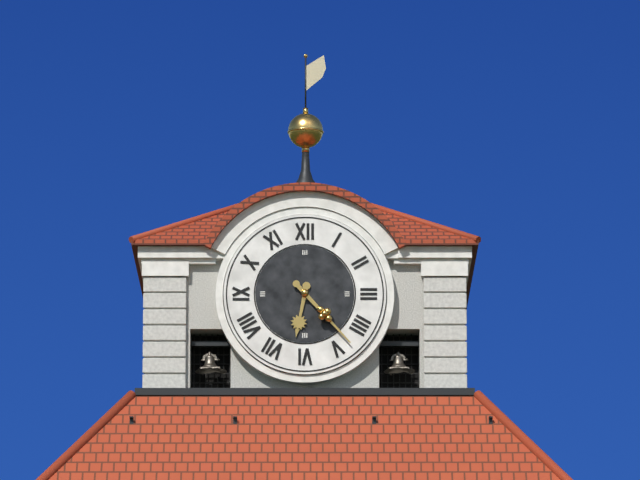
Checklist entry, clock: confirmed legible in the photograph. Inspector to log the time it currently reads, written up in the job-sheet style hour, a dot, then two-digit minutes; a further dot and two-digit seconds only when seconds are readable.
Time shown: 6.23
